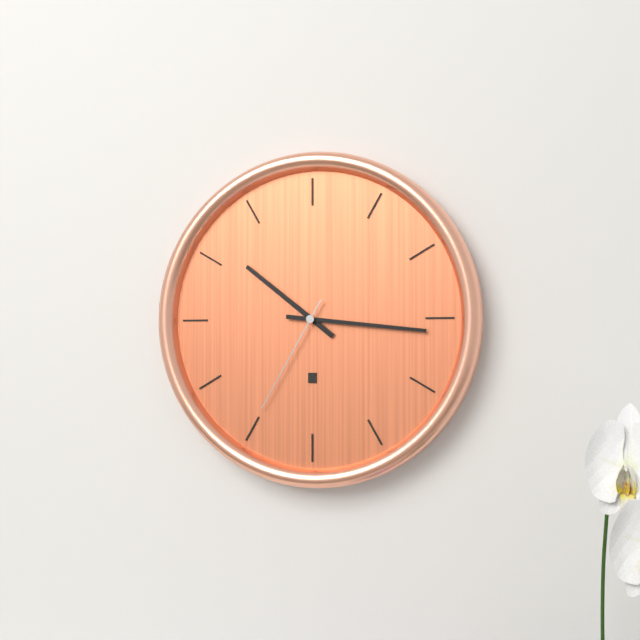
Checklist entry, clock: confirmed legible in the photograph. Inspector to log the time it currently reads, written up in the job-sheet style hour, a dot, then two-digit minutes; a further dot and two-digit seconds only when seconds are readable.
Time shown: 10.16.35
